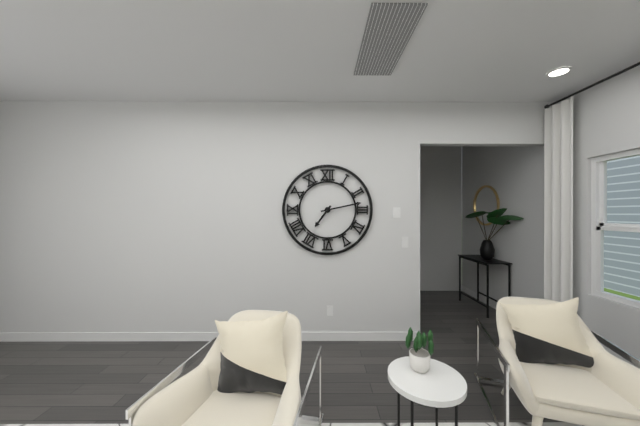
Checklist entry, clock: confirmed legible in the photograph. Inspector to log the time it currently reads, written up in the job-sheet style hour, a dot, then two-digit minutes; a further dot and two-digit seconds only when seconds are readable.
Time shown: 7.13
